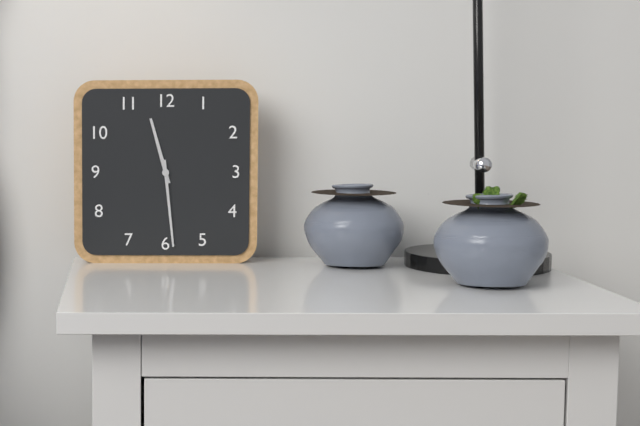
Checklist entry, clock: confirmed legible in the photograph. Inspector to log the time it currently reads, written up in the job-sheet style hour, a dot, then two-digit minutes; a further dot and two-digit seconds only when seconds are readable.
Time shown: 11.29
